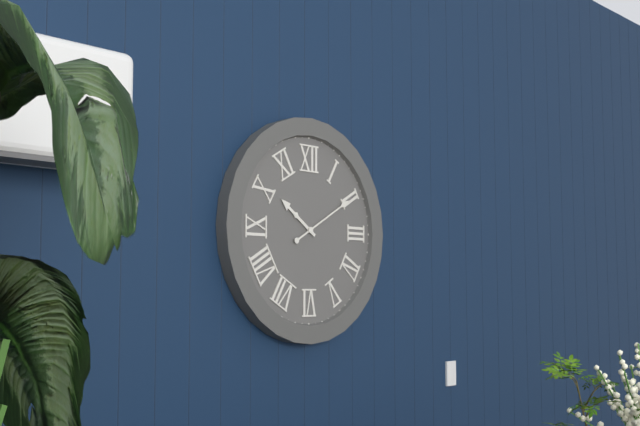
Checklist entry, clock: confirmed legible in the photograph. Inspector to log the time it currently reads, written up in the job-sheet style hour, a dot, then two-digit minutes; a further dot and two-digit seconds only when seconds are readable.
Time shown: 10.10
